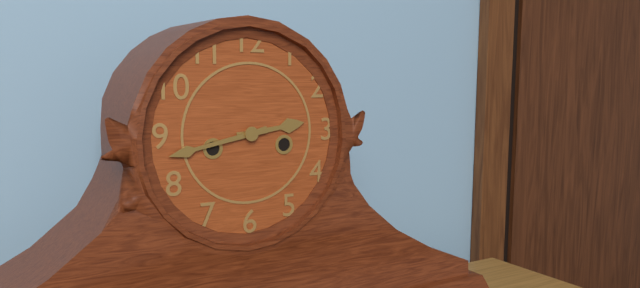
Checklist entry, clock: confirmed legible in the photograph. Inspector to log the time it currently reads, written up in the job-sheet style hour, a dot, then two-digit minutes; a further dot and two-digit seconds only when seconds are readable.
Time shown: 2.43
